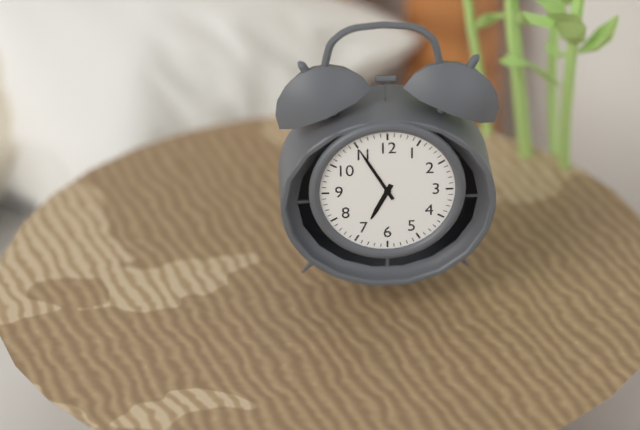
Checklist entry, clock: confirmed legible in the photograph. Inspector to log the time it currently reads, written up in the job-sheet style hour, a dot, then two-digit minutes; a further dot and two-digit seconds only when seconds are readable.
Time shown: 6.55
